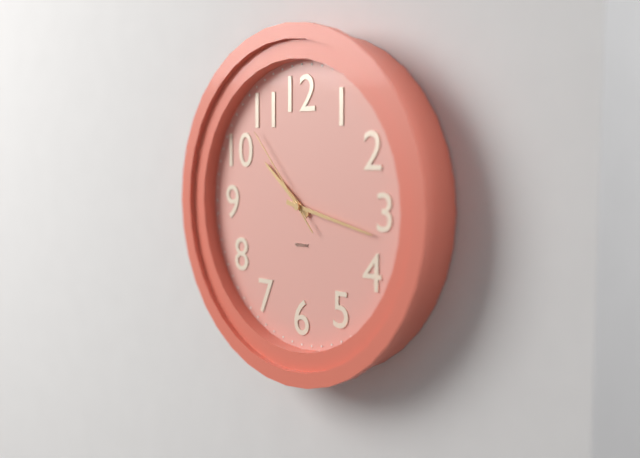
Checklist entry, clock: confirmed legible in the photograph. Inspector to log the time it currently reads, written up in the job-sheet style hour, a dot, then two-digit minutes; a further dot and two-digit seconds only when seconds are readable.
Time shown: 10.17.53
